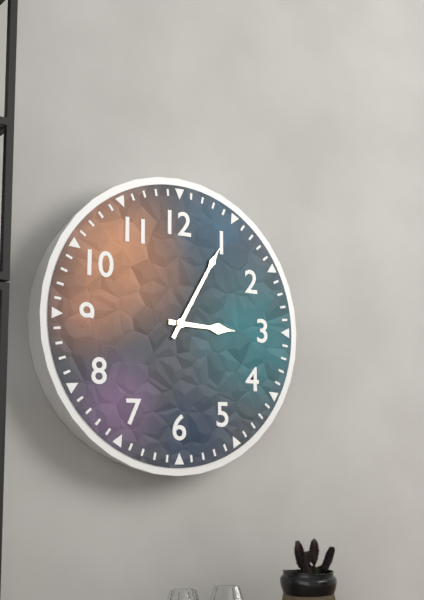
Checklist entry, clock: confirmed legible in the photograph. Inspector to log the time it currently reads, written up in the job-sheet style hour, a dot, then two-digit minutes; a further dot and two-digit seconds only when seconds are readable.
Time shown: 3.05
